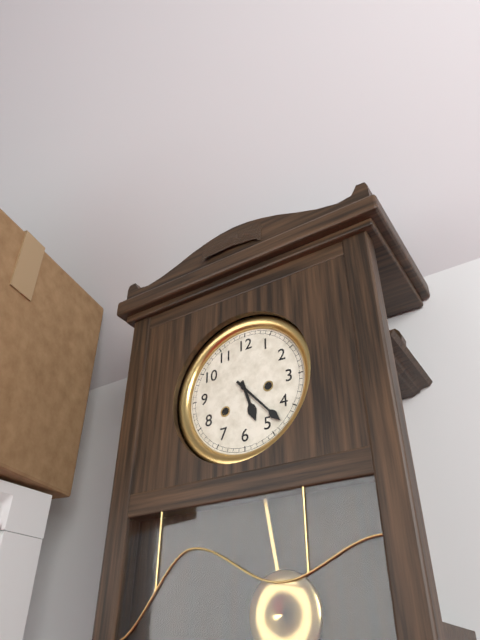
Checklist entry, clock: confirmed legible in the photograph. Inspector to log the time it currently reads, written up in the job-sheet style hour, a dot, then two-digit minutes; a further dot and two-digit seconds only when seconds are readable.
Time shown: 5.23
